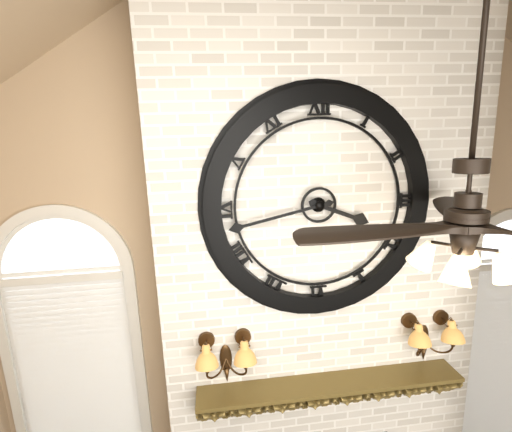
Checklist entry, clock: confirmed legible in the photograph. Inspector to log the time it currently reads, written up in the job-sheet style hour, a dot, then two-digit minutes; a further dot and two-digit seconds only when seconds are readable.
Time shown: 3.43
